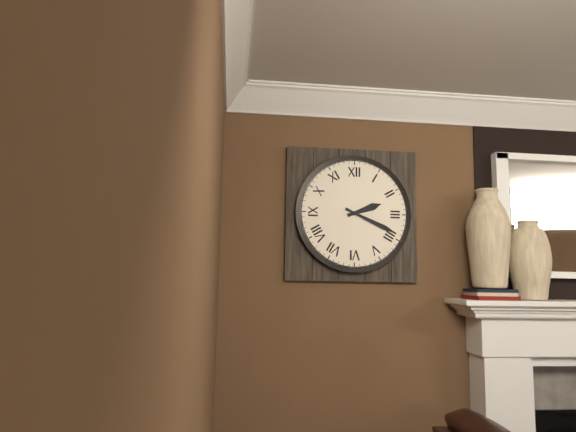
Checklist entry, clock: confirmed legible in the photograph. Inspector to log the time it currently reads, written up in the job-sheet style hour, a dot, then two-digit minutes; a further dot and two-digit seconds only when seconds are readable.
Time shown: 2.19
